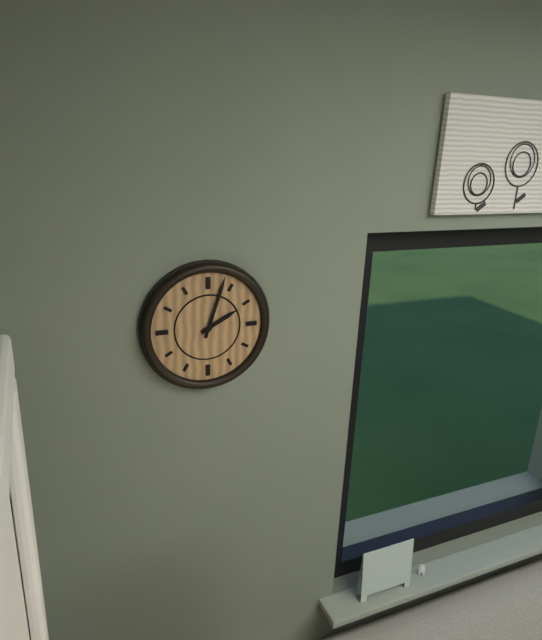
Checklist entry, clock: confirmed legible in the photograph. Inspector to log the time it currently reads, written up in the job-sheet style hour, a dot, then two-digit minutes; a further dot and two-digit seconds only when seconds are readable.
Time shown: 2.03
